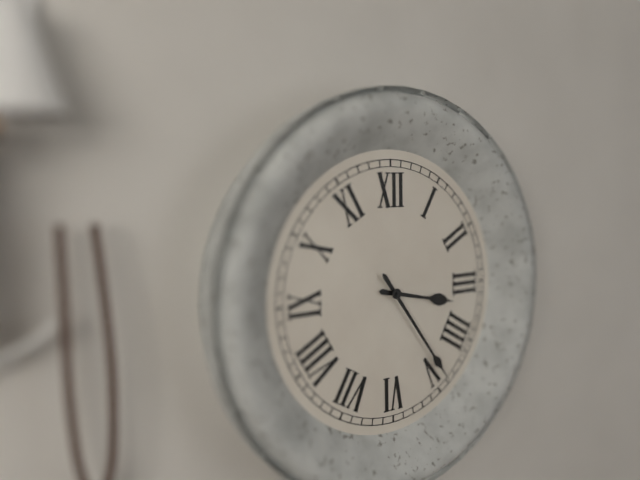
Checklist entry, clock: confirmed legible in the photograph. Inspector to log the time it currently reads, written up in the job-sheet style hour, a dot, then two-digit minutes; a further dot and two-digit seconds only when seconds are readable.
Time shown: 3.24
